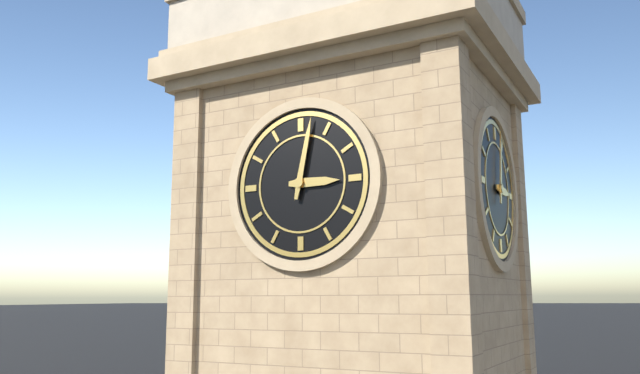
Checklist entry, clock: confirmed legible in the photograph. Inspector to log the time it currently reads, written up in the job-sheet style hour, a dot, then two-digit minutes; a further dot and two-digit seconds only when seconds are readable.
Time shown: 3.02
